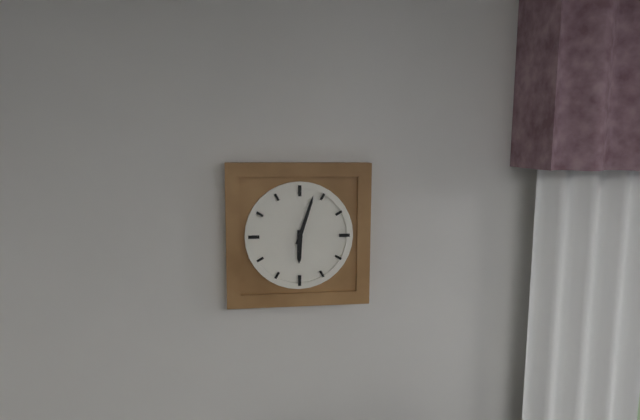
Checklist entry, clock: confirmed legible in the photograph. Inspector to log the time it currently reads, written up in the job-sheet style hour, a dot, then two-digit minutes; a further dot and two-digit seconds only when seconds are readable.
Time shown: 6.03
